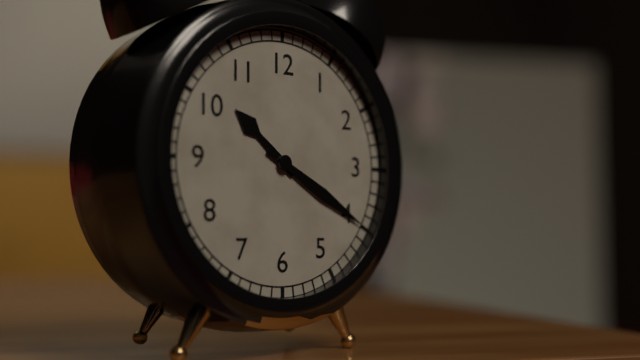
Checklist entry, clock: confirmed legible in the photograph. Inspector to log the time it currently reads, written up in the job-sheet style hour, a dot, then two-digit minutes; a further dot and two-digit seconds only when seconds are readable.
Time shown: 10.20
